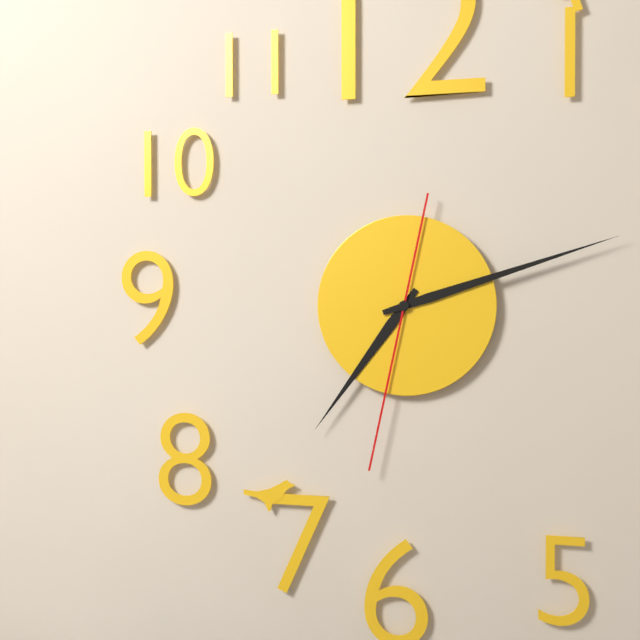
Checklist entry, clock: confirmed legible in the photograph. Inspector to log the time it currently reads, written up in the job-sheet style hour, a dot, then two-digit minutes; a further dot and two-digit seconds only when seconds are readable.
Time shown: 7.12.32
